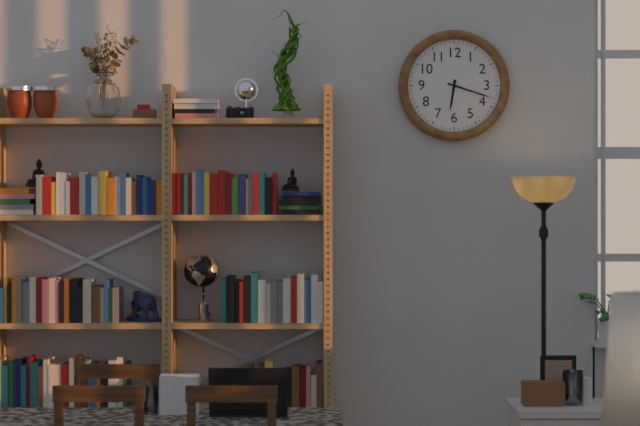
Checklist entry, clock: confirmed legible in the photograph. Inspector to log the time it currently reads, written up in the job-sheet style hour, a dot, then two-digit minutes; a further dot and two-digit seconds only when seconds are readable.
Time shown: 6.18
